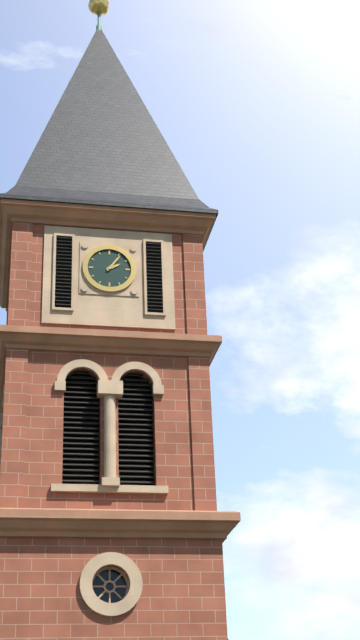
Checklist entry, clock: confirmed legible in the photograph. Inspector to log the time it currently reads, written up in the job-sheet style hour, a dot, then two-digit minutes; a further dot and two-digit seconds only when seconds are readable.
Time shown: 2.06
